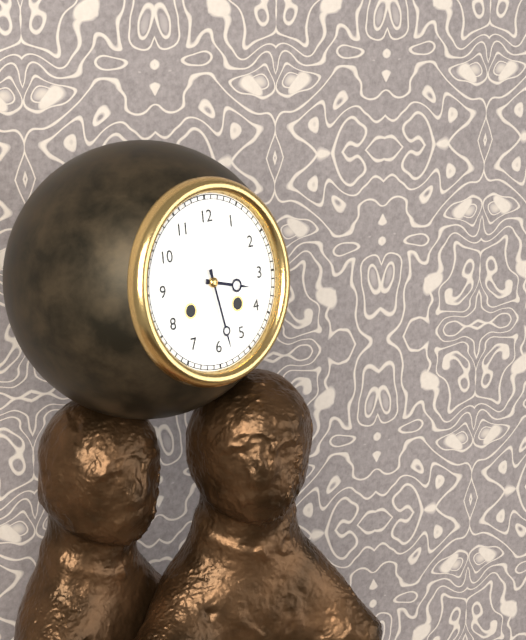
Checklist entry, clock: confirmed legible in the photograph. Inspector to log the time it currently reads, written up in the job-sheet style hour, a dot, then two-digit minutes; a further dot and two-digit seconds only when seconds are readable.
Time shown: 3.28
